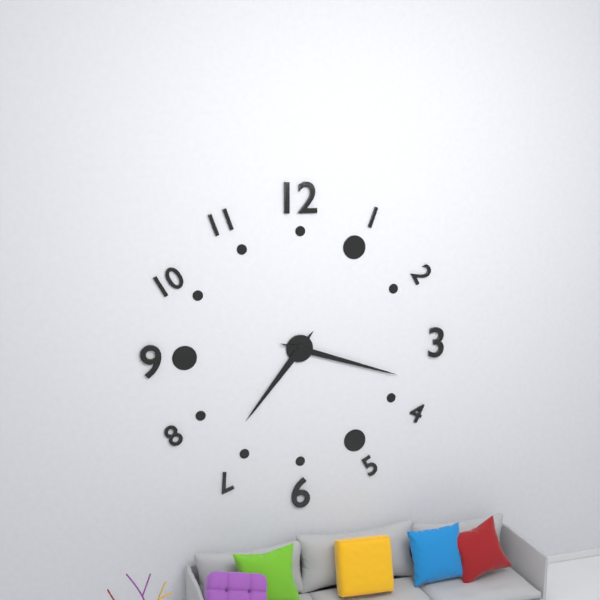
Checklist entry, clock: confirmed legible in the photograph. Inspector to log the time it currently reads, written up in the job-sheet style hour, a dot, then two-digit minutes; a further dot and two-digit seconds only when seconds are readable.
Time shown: 7.18
